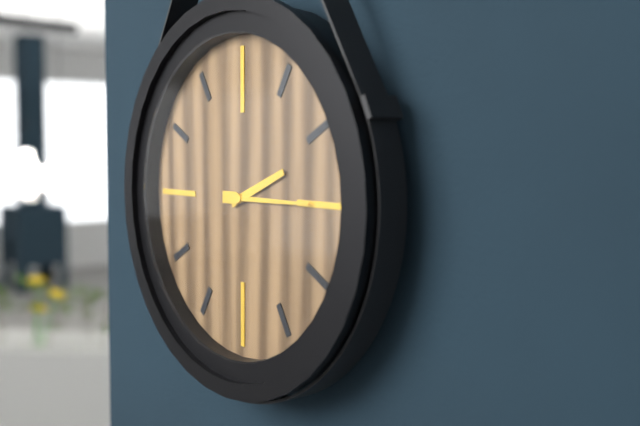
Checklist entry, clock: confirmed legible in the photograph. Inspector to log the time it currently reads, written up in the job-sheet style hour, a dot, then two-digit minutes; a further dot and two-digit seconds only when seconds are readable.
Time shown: 2.15
